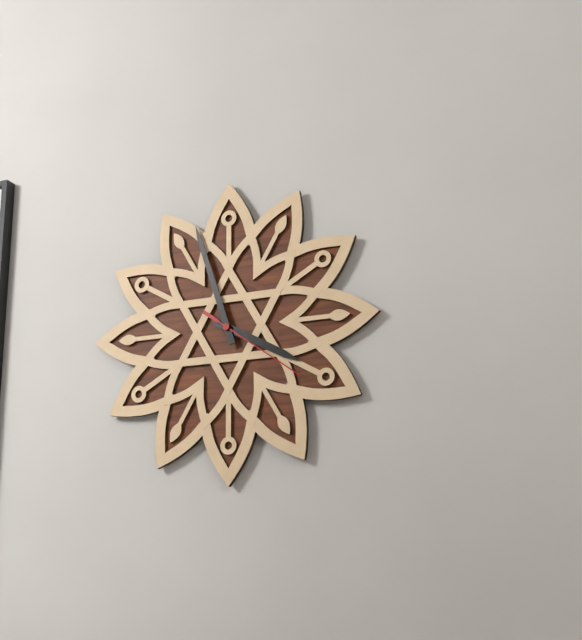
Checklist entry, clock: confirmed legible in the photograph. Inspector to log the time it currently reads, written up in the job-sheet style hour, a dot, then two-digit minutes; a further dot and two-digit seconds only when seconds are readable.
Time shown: 3.57.21
